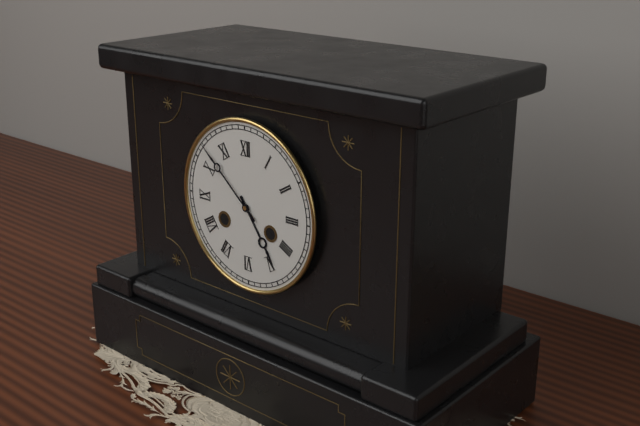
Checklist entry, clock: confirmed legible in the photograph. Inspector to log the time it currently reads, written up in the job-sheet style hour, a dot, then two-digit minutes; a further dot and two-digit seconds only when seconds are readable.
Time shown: 4.52
